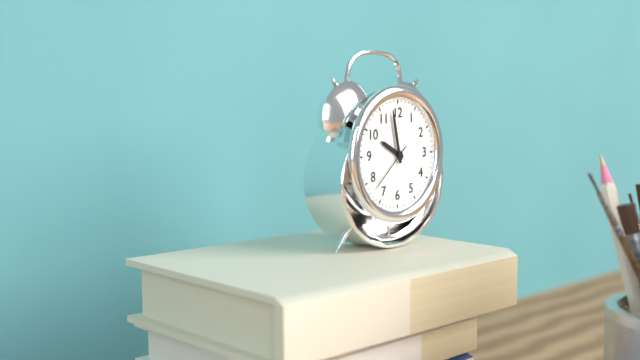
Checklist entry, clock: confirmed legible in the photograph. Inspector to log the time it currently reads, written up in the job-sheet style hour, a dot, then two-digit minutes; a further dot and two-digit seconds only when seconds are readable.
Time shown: 9.58.38
